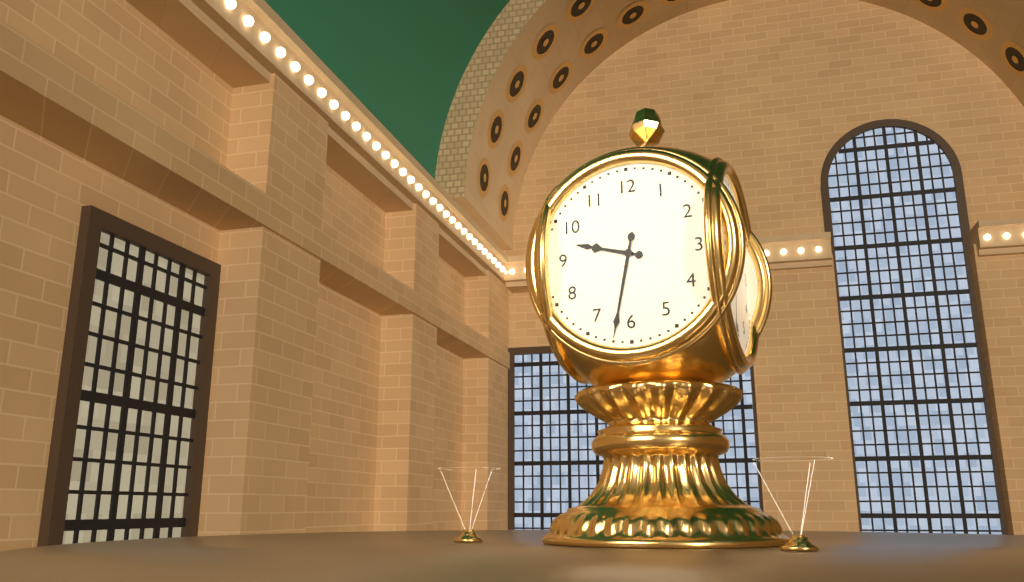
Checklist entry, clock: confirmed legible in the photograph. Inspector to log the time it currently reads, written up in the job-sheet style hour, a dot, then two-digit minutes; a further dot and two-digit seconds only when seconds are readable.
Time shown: 9.32
